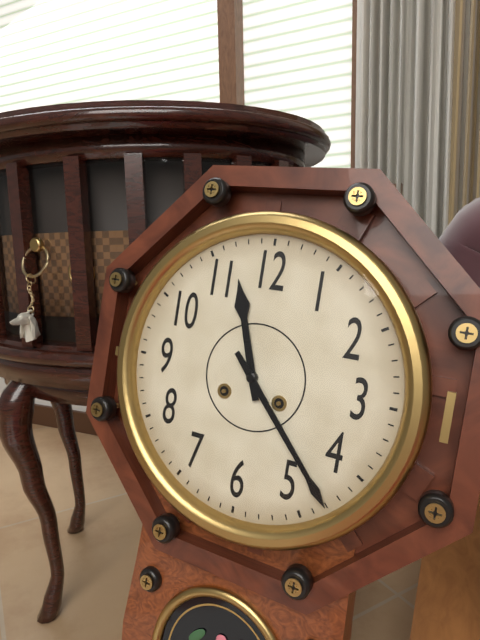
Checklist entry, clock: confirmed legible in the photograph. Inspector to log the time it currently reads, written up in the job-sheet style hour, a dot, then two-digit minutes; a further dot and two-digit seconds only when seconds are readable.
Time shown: 11.23
